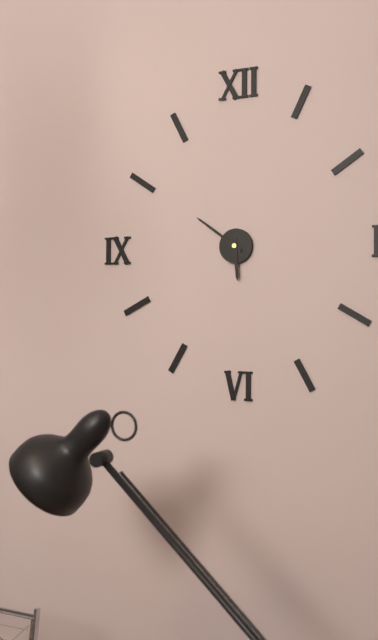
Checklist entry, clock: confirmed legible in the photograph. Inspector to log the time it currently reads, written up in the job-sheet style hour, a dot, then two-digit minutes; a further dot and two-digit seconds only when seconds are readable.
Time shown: 5.51
